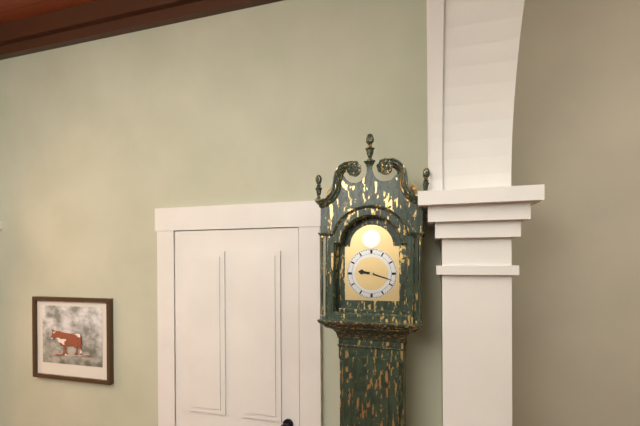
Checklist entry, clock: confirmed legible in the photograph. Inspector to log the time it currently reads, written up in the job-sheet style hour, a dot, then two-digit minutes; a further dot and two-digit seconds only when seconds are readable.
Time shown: 9.18
